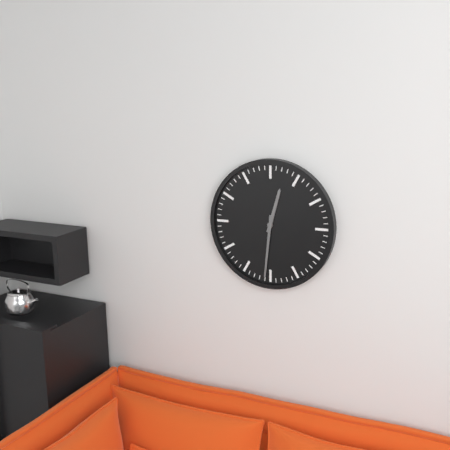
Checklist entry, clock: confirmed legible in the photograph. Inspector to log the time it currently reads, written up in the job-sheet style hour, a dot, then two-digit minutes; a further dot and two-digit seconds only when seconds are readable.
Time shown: 12.31
